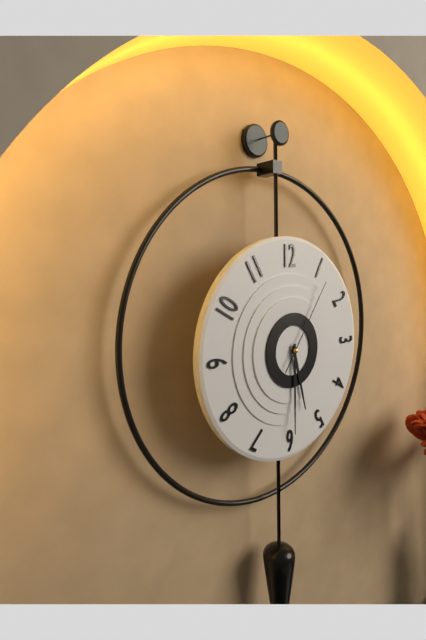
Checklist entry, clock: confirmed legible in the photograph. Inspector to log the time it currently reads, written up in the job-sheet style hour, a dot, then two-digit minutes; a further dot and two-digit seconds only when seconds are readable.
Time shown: 5.30.06
